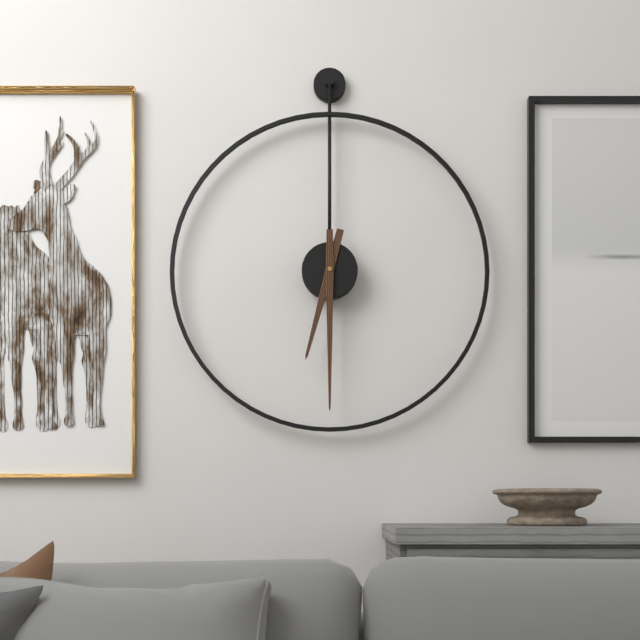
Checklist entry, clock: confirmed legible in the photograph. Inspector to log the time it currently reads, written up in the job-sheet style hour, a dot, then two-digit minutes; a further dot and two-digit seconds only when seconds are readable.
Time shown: 6.30
